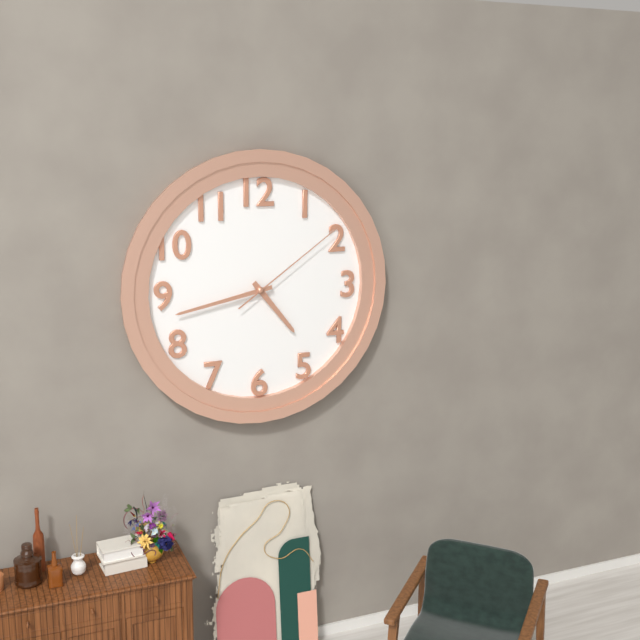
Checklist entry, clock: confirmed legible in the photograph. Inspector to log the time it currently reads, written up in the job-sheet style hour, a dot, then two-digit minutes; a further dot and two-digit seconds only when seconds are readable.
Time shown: 4.43.09
